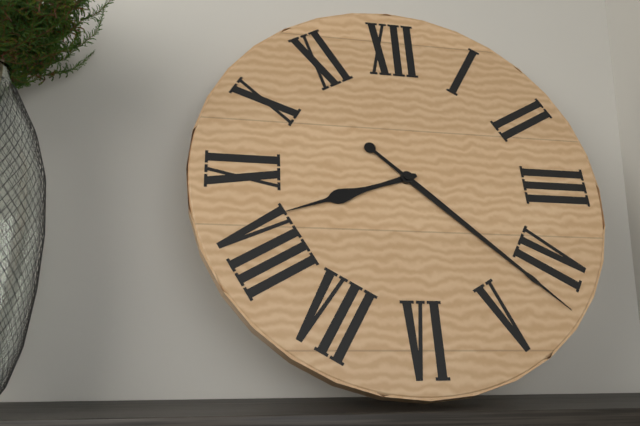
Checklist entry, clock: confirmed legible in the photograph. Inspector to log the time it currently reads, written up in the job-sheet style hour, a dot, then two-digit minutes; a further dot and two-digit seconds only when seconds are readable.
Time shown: 8.22
